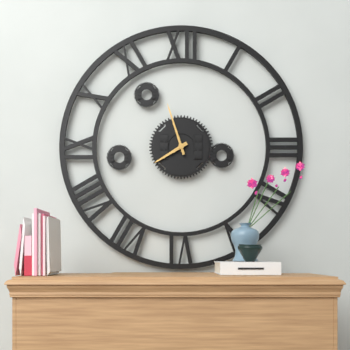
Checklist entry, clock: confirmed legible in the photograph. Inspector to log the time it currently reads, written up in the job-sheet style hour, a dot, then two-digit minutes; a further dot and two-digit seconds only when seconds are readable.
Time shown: 7.57
